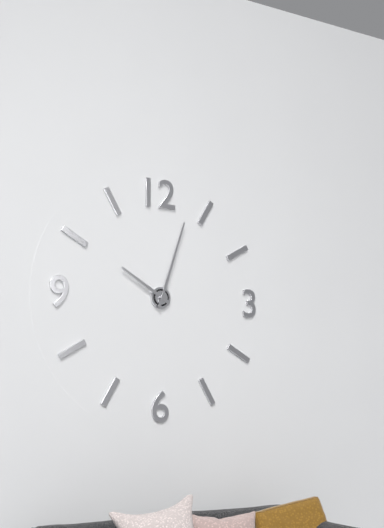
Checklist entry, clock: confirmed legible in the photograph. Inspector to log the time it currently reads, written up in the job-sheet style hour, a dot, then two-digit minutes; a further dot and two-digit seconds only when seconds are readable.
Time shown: 10.03
